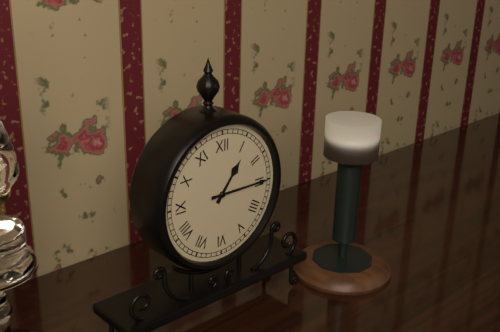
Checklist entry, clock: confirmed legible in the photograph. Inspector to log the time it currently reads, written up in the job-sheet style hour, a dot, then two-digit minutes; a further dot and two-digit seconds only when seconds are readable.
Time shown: 1.15
